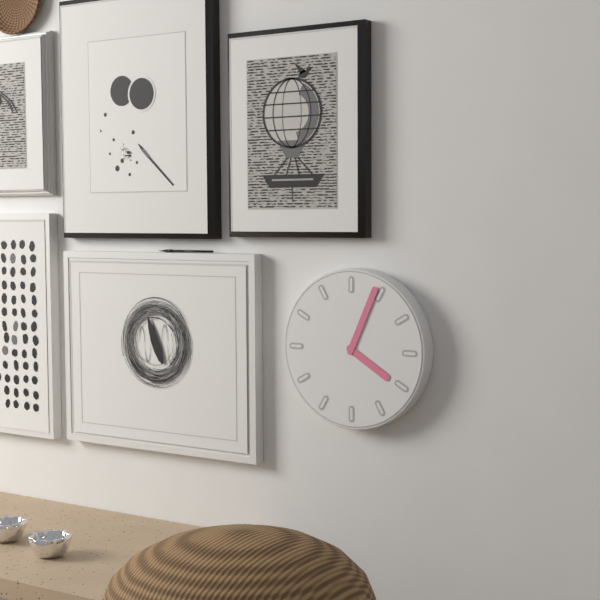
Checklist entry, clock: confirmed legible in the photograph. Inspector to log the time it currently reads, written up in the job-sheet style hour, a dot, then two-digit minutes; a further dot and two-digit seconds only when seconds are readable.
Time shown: 4.04
